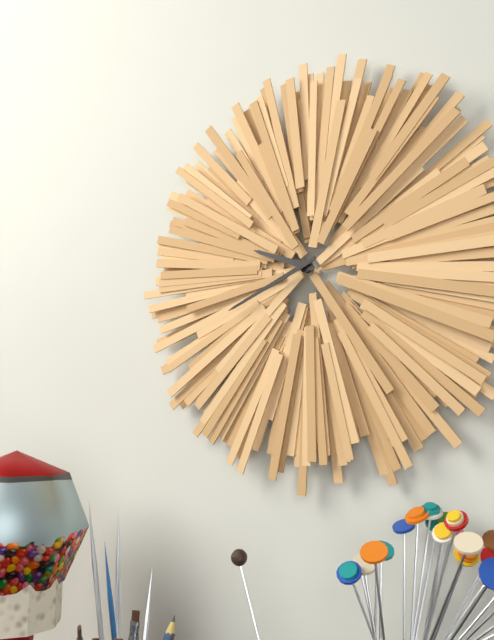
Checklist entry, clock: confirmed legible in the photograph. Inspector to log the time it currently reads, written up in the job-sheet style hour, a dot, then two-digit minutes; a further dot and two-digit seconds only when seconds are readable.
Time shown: 9.41
